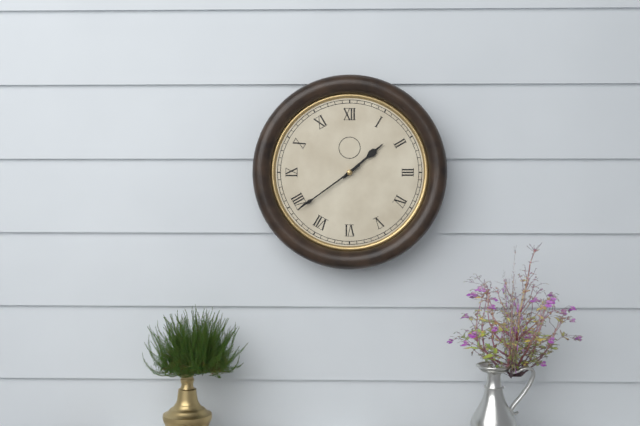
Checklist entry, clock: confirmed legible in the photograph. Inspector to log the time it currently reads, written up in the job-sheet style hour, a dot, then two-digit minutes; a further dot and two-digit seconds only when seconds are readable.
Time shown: 1.39
